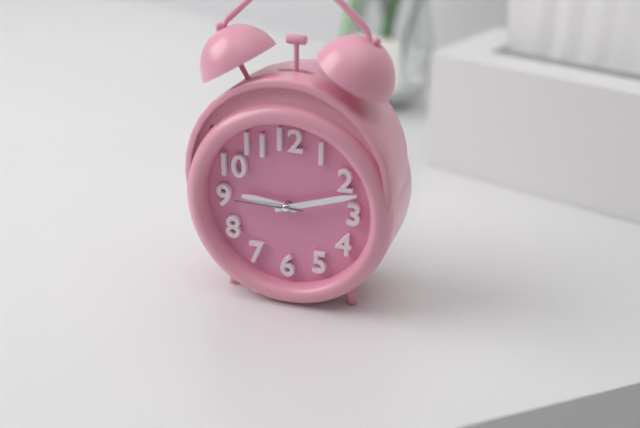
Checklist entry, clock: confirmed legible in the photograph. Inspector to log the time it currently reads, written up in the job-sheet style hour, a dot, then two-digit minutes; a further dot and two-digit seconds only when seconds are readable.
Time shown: 9.12.45
